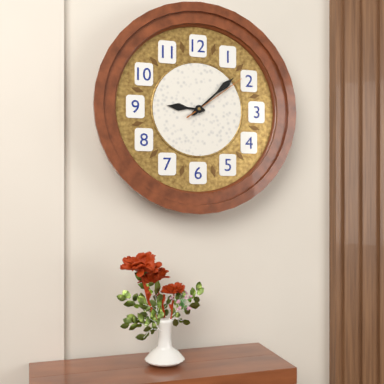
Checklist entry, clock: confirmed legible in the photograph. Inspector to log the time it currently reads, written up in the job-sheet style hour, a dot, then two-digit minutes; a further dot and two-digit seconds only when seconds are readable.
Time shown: 9.08.09
